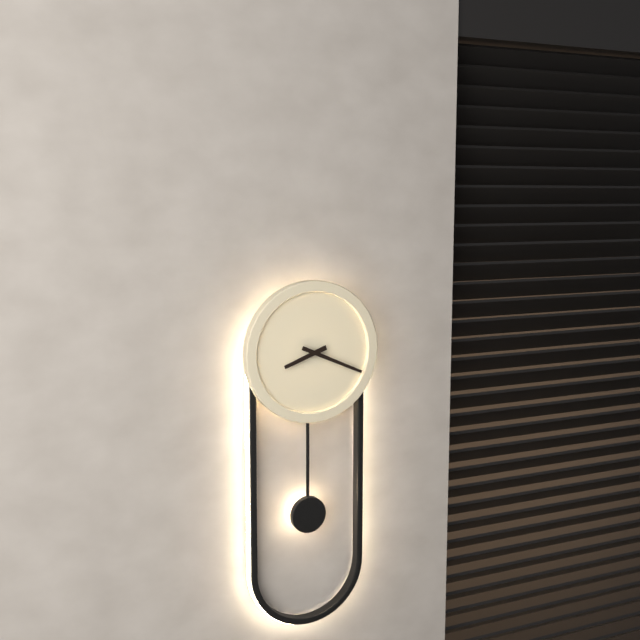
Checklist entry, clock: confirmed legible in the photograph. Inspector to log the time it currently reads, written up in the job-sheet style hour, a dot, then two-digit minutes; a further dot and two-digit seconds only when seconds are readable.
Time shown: 8.19
